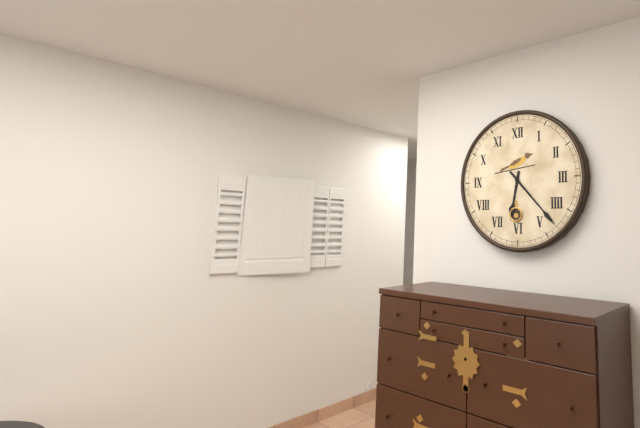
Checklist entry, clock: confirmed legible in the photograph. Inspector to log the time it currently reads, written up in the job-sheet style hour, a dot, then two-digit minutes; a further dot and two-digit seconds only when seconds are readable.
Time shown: 6.23
